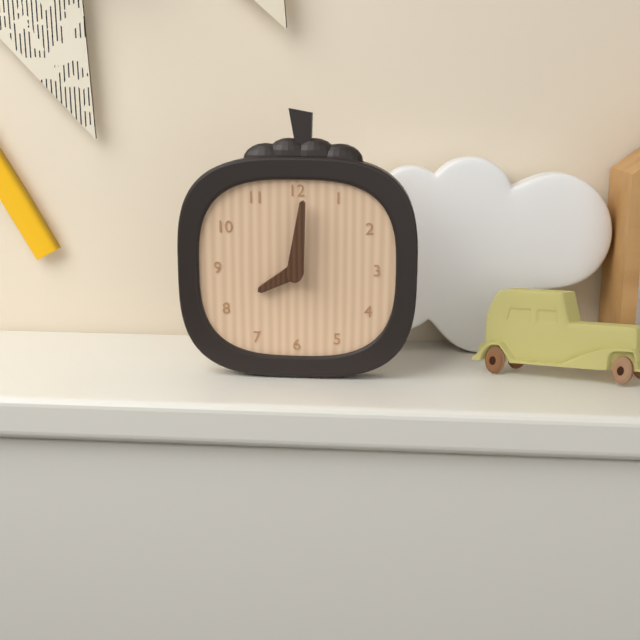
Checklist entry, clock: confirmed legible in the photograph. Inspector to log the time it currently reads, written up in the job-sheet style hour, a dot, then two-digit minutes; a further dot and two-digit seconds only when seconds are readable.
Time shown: 8.01
